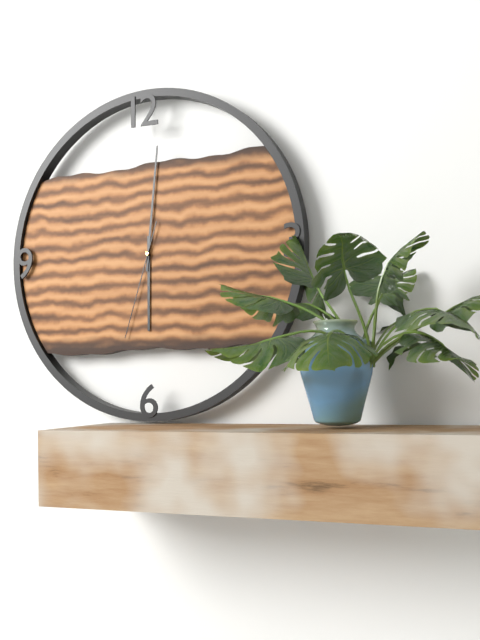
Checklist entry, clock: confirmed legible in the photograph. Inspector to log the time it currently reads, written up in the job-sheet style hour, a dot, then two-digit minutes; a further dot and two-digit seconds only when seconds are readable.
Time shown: 6.01.33
